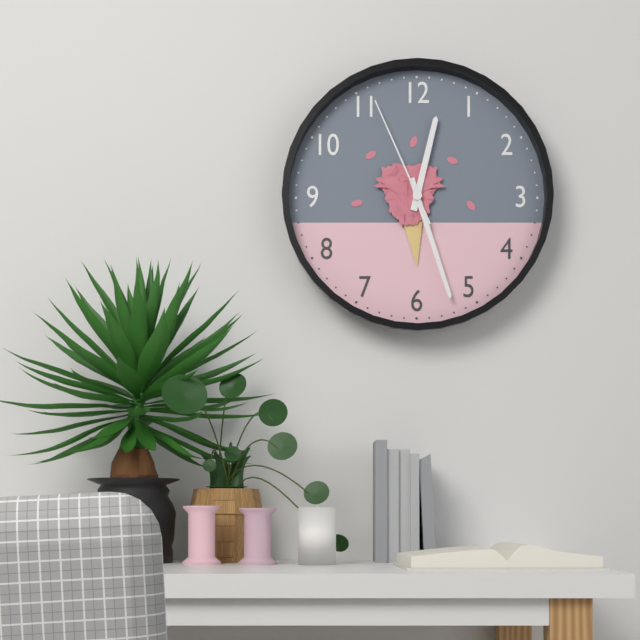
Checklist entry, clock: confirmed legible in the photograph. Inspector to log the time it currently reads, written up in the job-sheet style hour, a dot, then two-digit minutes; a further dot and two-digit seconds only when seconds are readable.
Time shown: 12.27.56
